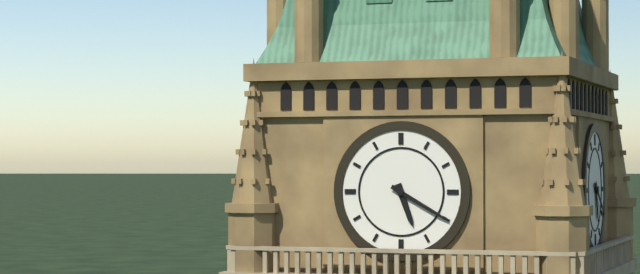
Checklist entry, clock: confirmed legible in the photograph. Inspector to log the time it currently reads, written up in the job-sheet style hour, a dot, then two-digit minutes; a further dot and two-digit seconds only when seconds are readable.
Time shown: 5.20
